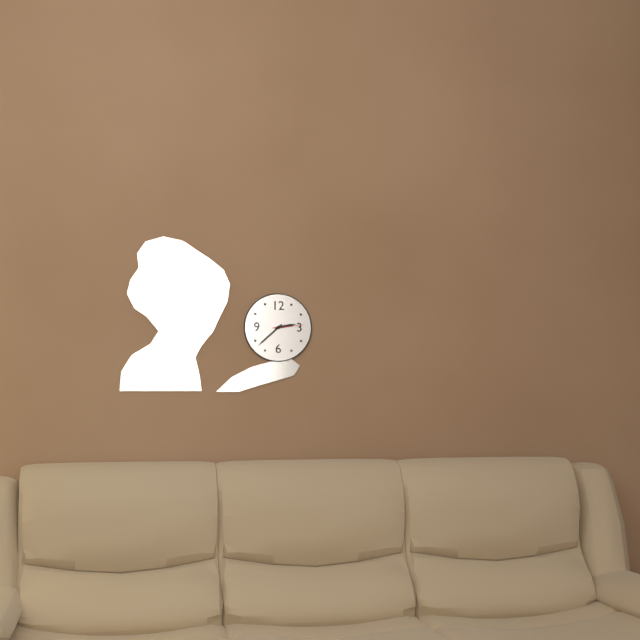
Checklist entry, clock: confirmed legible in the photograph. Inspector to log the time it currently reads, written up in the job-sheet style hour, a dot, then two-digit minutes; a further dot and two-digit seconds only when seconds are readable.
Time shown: 2.38
